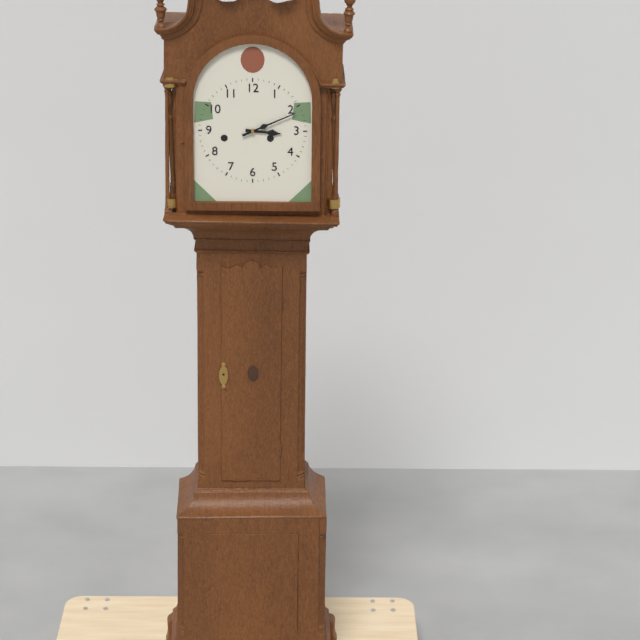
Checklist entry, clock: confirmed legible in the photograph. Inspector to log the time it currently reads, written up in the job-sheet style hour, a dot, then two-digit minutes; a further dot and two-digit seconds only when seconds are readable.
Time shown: 3.11
